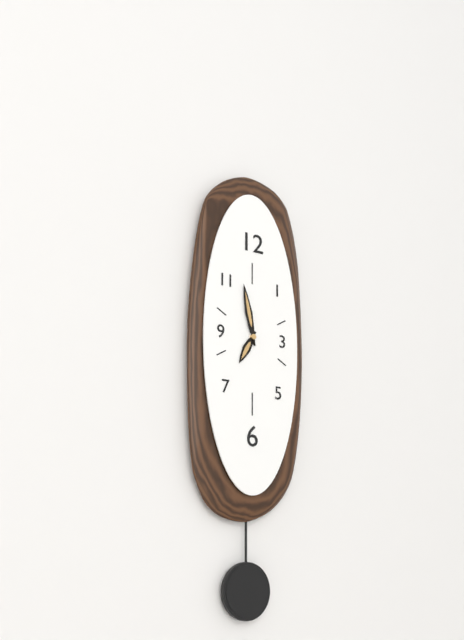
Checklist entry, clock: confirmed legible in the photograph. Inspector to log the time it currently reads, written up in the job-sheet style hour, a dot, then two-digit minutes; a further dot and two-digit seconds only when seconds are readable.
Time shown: 6.58
